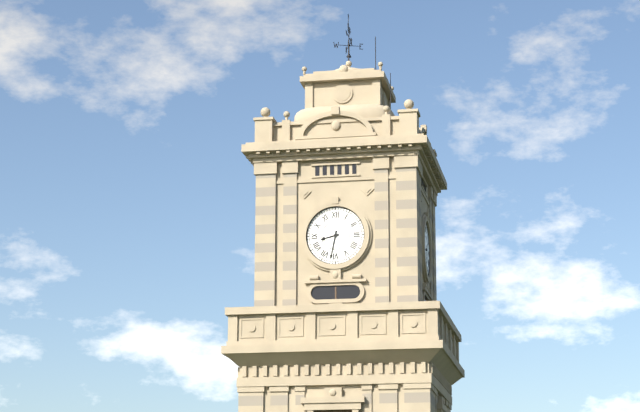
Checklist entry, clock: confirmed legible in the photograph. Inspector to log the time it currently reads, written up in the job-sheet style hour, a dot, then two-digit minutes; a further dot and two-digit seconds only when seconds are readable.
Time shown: 8.32
